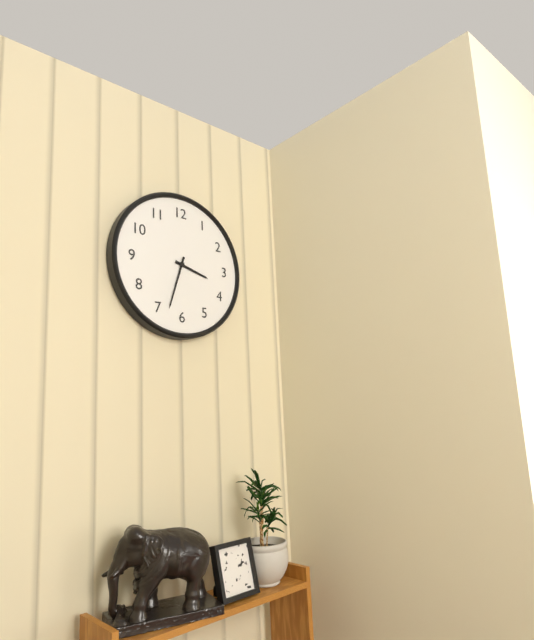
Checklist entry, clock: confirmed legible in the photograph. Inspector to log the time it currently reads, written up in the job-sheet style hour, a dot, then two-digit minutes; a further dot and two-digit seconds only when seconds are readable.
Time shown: 3.33
